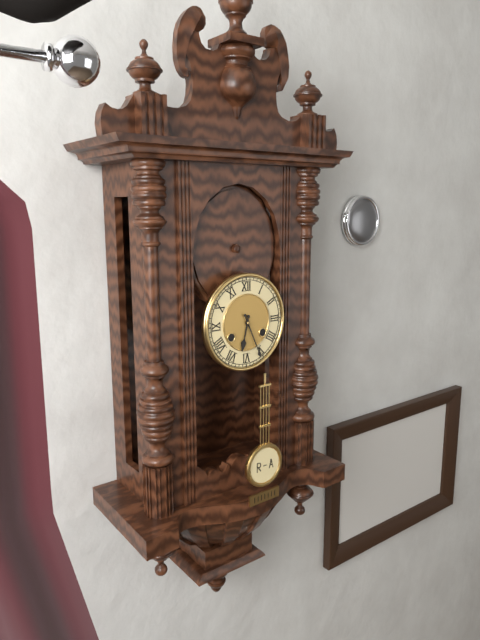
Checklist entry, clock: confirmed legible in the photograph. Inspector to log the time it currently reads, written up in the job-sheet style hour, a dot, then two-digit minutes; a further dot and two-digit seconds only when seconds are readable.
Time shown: 6.26
